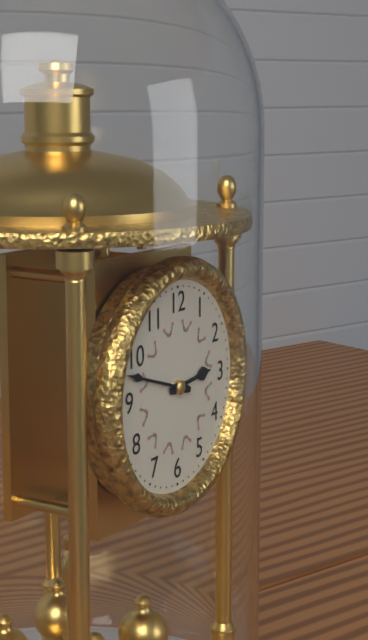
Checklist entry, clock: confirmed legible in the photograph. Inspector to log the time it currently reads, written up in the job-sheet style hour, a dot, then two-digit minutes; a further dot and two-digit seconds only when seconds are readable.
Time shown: 2.48
